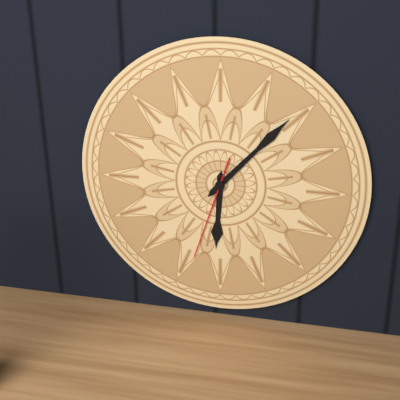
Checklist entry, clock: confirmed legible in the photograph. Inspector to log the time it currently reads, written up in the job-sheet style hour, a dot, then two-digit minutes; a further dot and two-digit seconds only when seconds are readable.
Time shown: 6.07.33
